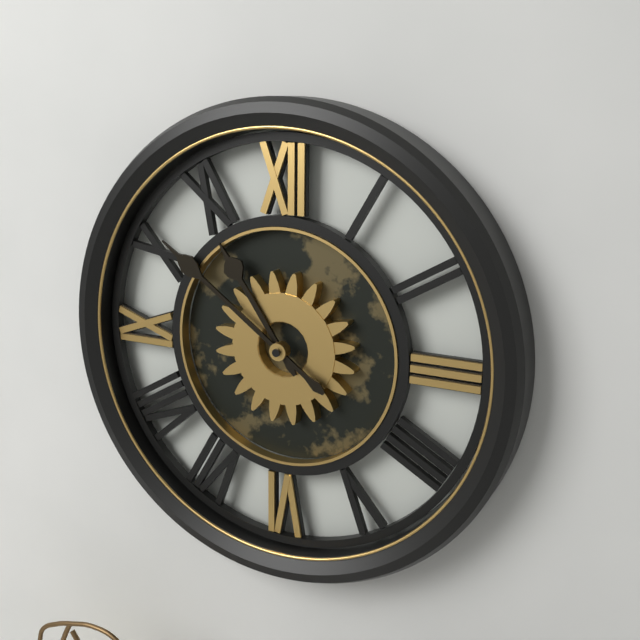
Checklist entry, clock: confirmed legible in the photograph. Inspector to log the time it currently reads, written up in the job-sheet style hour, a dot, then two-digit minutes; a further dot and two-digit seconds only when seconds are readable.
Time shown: 10.51
